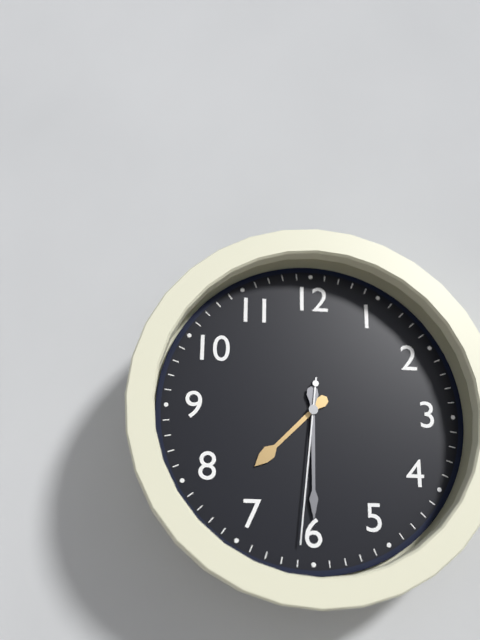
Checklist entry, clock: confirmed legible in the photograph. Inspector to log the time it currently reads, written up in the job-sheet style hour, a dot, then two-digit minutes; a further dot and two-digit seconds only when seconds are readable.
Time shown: 7.30.31
